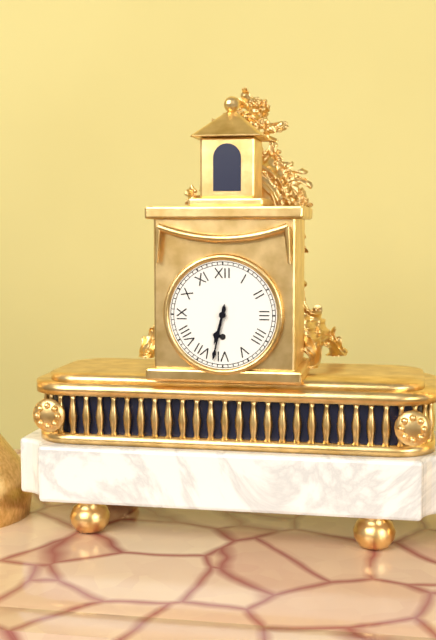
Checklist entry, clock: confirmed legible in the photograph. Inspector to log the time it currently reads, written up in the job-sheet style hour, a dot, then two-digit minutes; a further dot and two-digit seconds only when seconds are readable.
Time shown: 6.32
